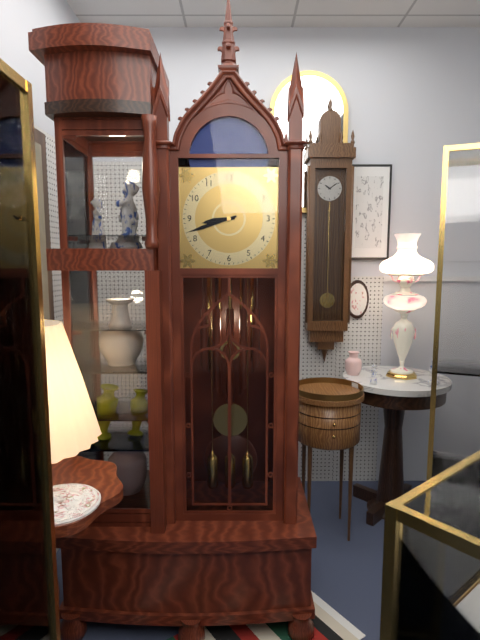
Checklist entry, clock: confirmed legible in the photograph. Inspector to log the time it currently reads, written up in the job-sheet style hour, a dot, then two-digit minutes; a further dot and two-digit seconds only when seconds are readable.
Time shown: 8.42
